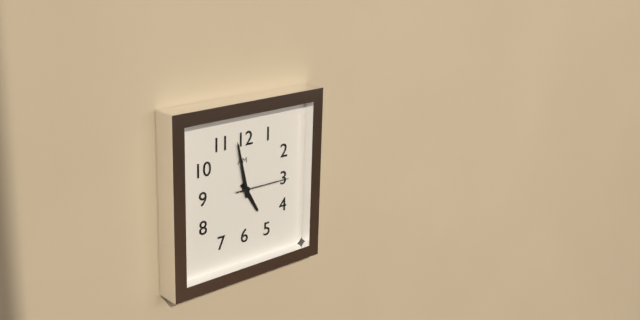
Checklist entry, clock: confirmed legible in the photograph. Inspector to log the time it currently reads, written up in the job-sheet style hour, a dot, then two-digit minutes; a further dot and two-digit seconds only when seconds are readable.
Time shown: 4.58.15
